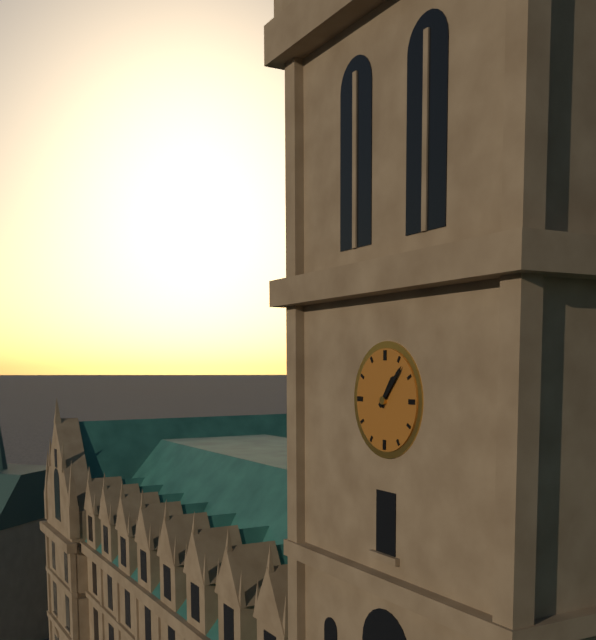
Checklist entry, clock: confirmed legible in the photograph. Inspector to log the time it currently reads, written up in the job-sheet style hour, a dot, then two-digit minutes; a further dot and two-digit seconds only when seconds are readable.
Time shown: 1.07
